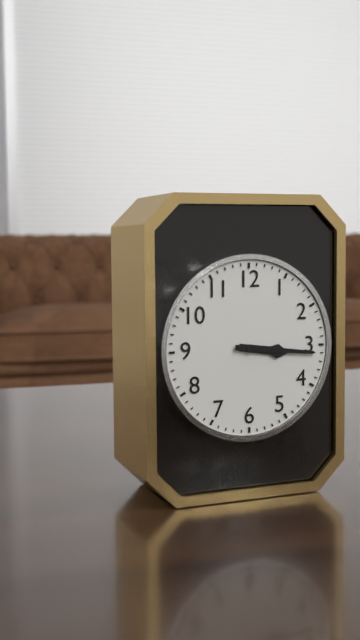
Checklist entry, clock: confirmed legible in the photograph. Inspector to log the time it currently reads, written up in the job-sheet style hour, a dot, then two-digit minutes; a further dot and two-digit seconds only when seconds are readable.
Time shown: 3.16
